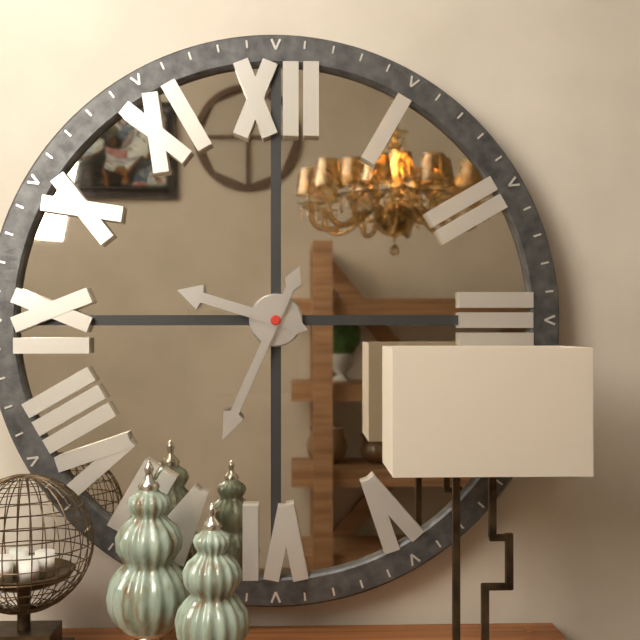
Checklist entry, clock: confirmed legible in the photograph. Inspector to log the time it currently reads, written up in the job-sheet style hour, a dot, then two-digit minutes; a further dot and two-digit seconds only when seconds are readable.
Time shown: 9.34
